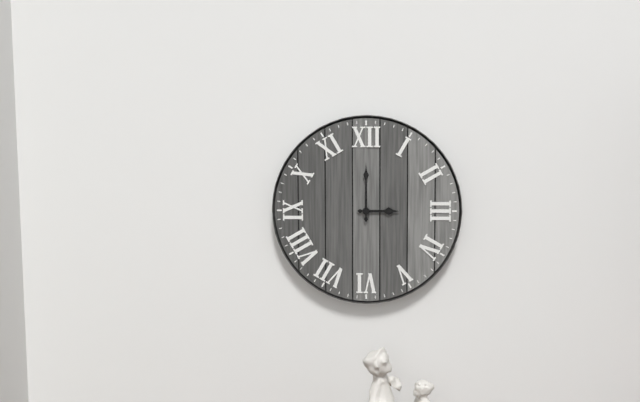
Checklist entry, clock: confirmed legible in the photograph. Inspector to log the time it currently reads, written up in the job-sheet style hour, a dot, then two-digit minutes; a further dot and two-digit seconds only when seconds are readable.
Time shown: 3.00
